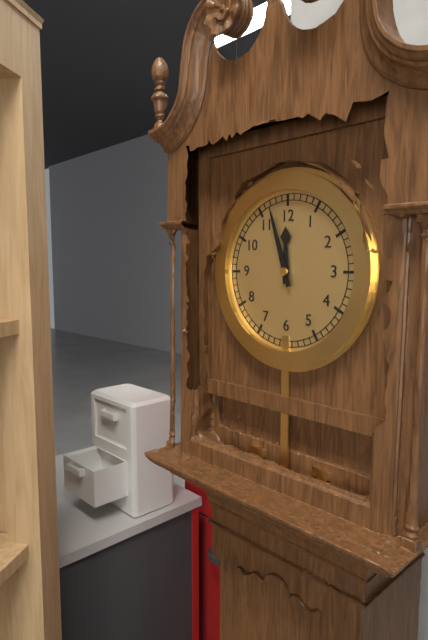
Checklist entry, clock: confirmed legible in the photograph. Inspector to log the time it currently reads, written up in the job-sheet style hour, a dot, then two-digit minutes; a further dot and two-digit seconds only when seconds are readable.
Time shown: 11.57
